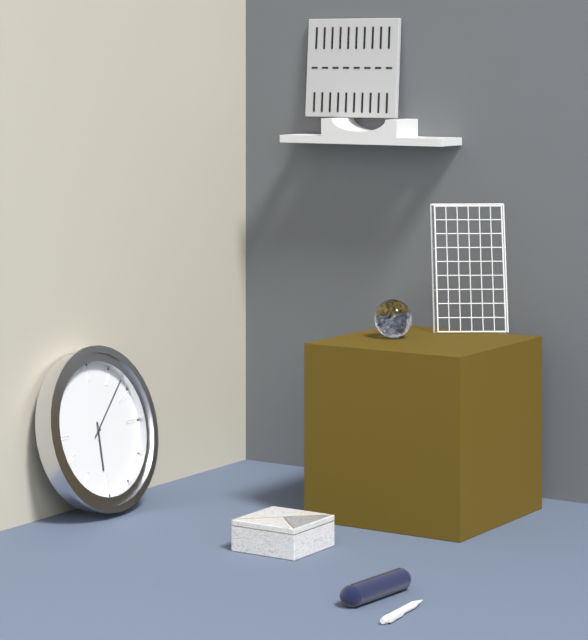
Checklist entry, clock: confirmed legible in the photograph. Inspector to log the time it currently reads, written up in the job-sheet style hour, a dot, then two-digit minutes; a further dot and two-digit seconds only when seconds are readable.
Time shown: 6.08
